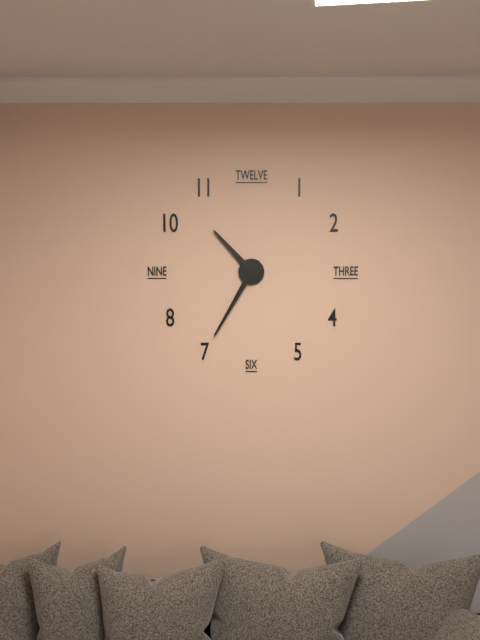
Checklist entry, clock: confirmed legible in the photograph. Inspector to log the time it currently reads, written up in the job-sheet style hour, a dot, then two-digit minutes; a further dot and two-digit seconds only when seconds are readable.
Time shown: 10.35
